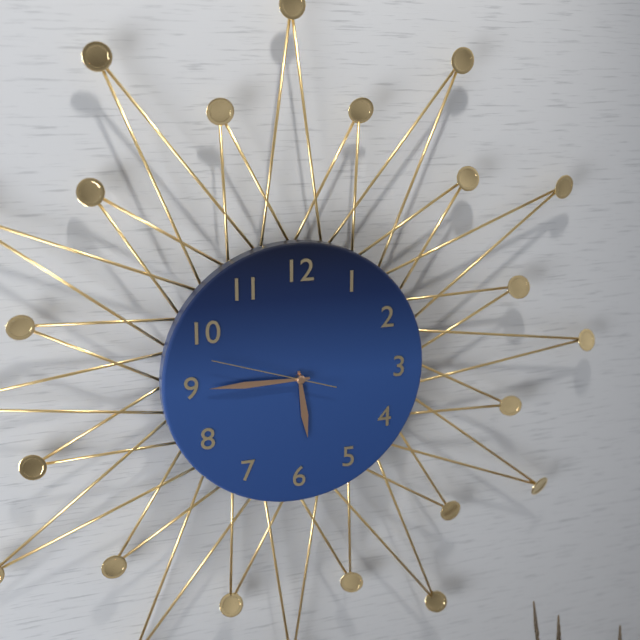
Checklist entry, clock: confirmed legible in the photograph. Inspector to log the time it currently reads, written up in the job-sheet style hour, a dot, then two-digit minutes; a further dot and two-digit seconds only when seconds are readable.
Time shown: 5.45.48
